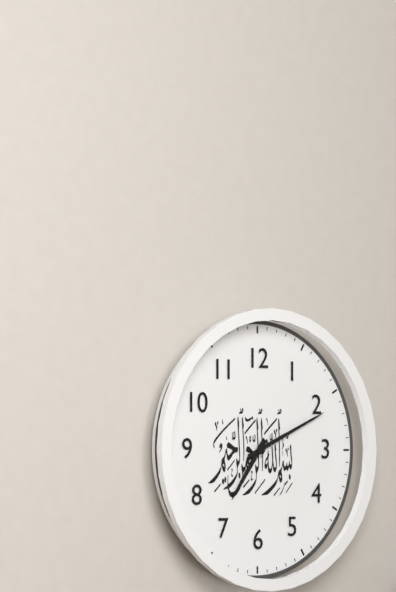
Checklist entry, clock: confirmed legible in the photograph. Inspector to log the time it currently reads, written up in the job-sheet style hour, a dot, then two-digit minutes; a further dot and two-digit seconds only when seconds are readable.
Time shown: 7.11
